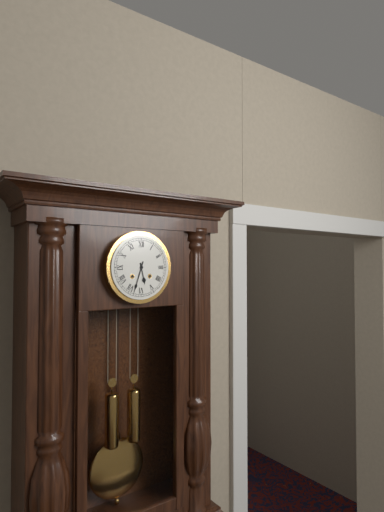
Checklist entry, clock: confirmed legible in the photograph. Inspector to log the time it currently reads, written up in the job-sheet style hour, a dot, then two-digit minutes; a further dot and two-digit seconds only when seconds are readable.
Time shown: 5.33
